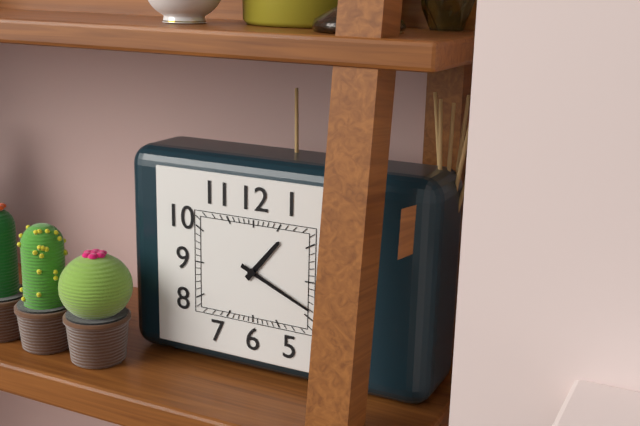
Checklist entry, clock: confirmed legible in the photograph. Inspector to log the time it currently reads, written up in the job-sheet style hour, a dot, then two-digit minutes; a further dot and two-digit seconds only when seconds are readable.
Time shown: 1.19
